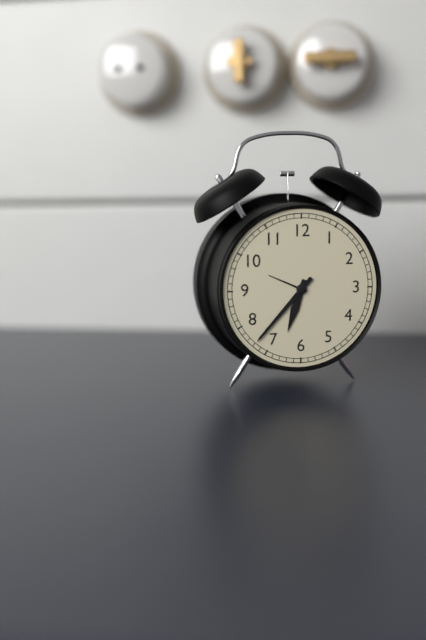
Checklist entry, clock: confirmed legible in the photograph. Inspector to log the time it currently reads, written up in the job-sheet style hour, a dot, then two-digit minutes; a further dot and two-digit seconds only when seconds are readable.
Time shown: 6.37
